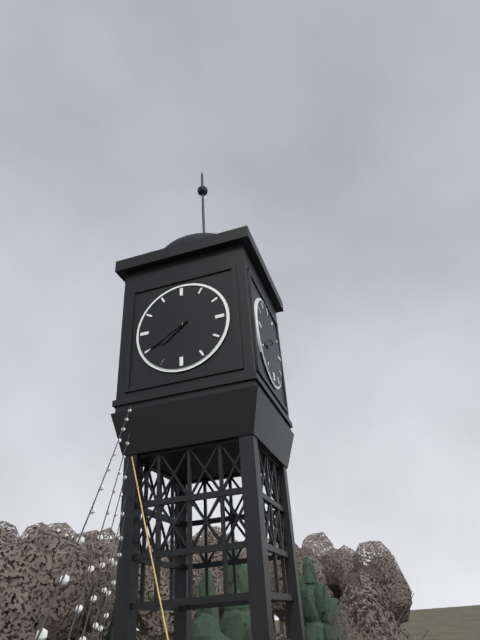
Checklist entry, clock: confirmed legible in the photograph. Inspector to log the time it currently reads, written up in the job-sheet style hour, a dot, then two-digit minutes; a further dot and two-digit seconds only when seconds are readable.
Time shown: 7.40
